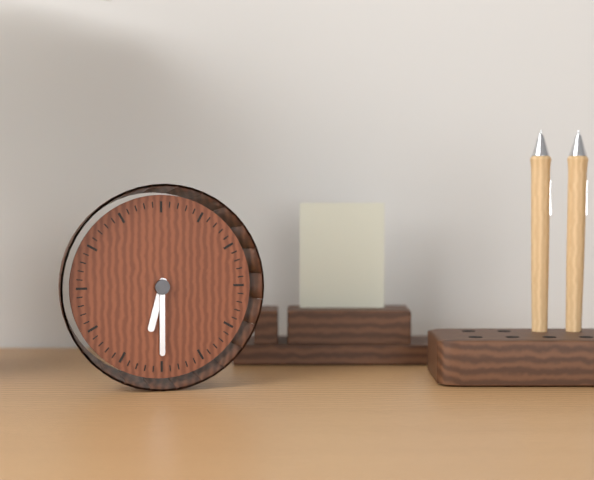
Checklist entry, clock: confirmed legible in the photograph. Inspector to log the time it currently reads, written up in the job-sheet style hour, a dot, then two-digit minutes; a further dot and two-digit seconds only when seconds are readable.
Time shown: 6.30
